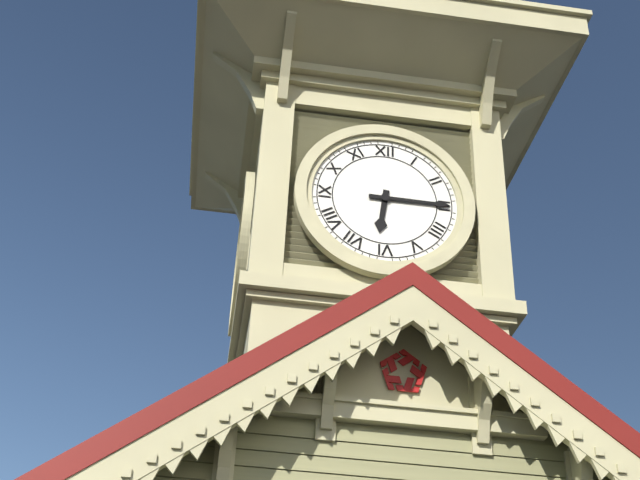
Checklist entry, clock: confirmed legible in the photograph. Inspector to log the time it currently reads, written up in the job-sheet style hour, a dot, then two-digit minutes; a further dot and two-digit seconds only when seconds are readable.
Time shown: 6.15
